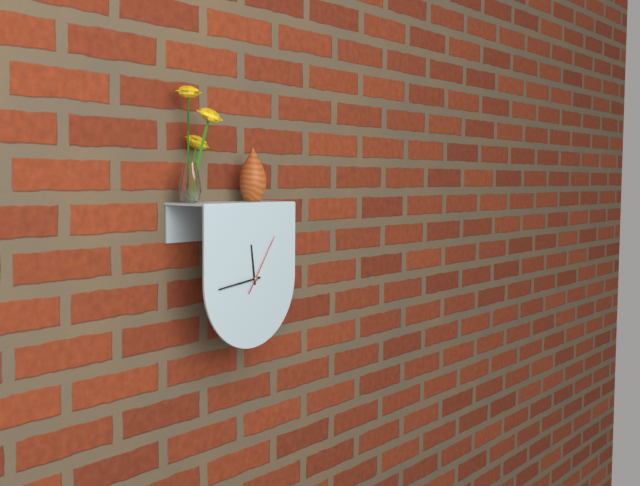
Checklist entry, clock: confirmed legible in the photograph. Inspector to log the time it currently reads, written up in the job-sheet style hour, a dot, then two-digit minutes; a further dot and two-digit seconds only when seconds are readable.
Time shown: 11.44.06
